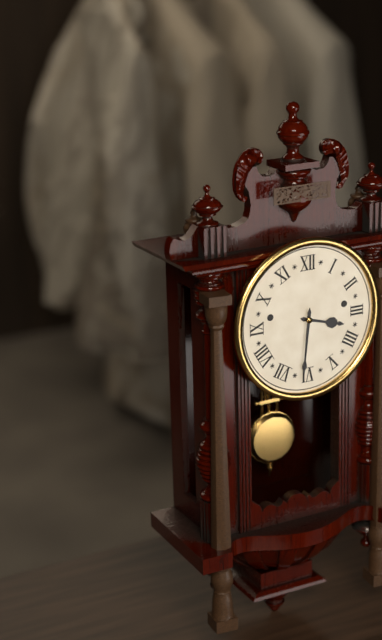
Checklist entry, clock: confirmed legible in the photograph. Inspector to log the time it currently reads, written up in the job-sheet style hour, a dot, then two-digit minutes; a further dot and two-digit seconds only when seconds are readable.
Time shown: 3.31
